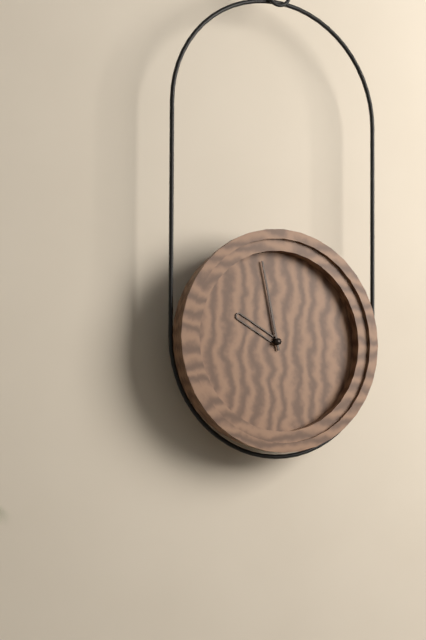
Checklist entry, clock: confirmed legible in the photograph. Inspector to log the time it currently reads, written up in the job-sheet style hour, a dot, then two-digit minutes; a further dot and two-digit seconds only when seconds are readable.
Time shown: 9.58
